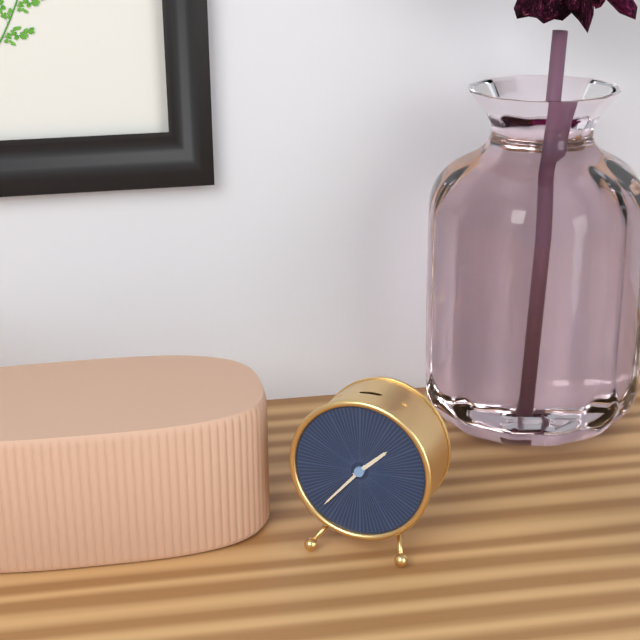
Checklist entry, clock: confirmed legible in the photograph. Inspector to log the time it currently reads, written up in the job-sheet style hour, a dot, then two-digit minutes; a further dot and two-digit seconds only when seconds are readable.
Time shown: 1.37
